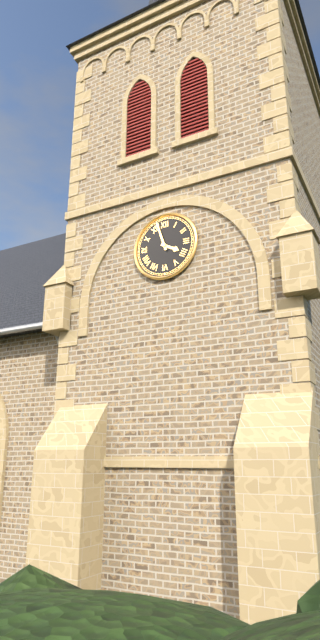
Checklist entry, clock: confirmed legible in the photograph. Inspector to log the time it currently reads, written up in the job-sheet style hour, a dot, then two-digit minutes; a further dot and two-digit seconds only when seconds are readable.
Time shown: 3.57
